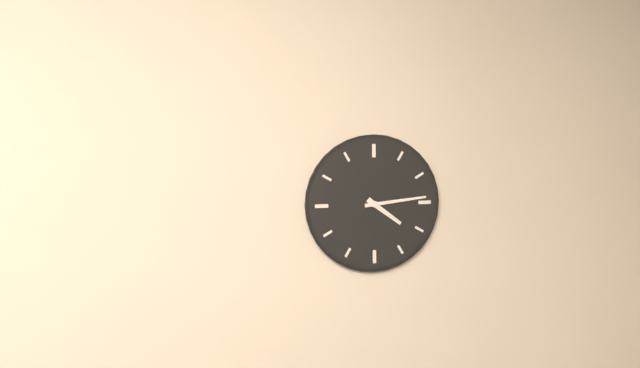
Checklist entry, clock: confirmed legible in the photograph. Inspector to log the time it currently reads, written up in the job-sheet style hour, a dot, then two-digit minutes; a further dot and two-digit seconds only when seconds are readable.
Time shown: 4.14
